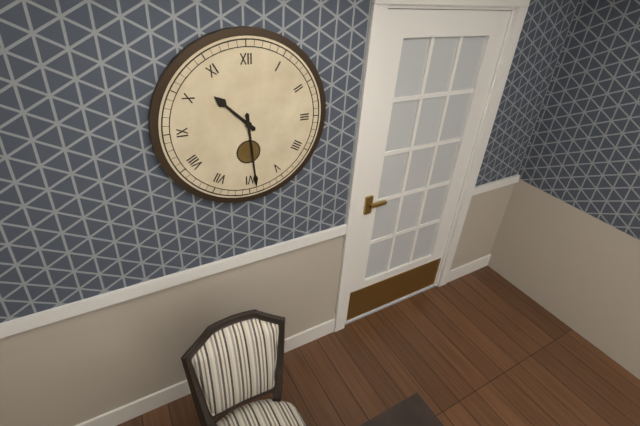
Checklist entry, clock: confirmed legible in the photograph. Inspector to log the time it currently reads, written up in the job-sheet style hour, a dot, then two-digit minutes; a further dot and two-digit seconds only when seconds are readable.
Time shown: 10.29
